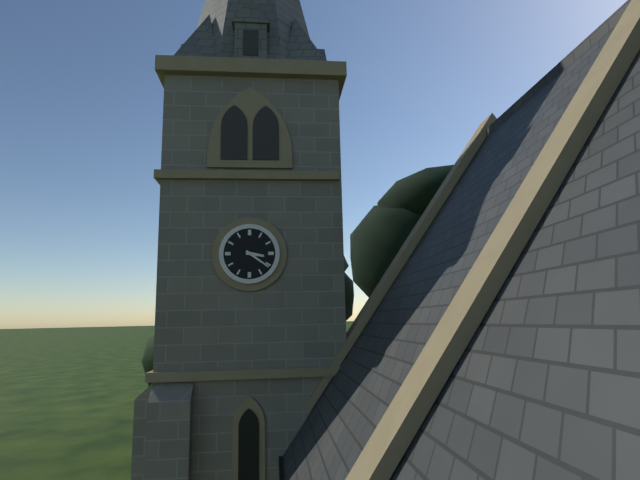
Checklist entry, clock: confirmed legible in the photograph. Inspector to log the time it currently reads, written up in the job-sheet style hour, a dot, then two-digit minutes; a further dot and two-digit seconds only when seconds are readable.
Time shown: 3.21
